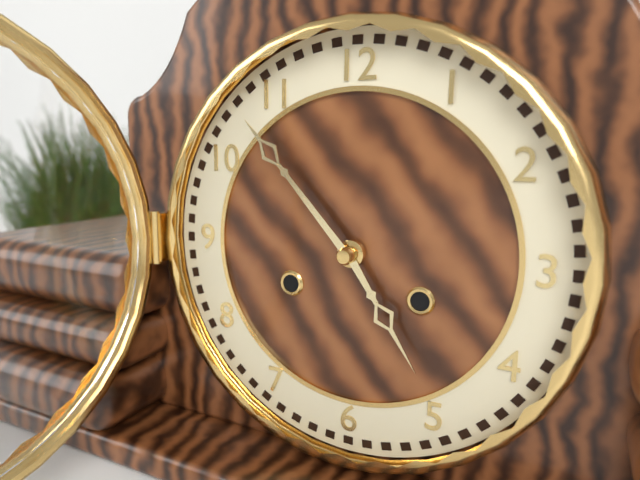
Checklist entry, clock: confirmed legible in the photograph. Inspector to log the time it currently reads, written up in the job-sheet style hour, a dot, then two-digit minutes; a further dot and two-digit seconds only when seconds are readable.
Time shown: 4.53
